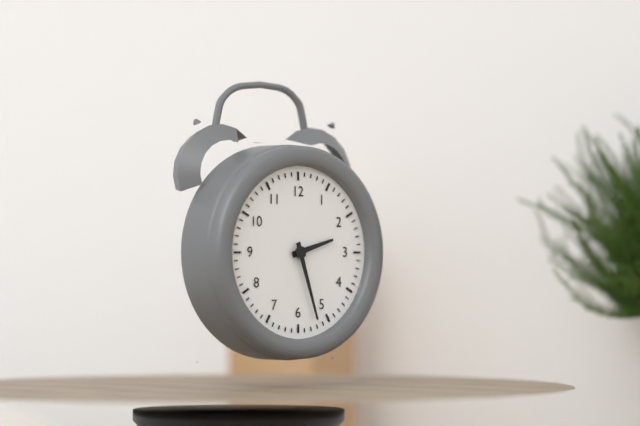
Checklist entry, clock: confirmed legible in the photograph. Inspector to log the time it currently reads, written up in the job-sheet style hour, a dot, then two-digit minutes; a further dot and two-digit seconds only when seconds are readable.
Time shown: 2.27
